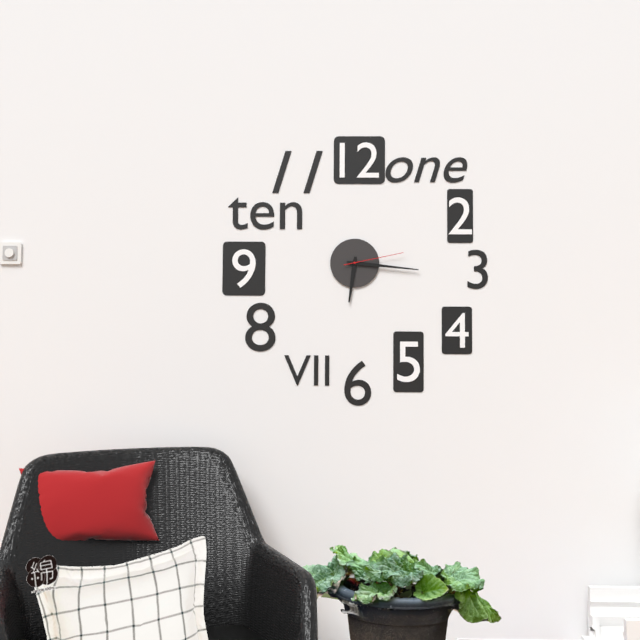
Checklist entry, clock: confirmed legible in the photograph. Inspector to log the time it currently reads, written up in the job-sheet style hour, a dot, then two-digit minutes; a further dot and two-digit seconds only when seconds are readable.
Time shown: 6.16.13
